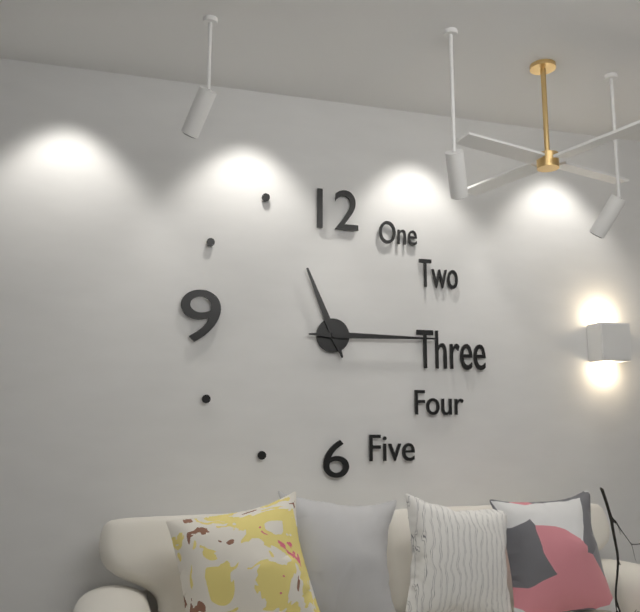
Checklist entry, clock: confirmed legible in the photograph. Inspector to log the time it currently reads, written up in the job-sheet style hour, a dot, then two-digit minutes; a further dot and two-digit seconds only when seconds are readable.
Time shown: 11.15
